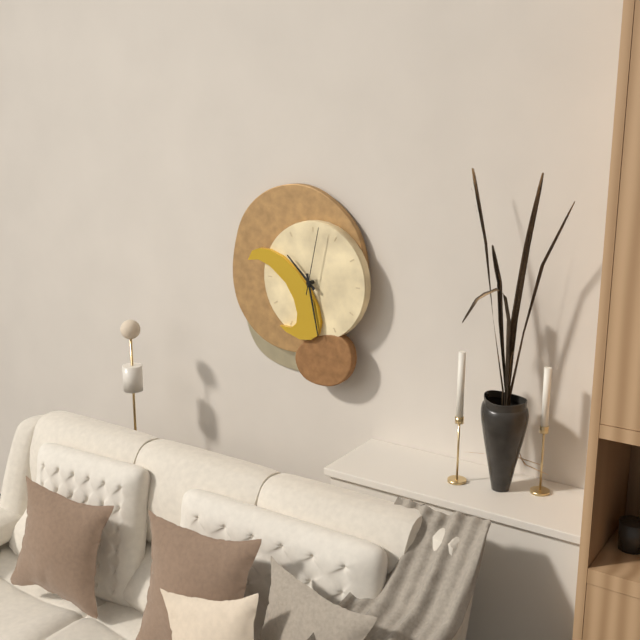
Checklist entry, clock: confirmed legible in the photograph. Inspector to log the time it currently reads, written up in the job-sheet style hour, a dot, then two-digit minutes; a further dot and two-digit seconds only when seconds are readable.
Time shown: 10.28.02
